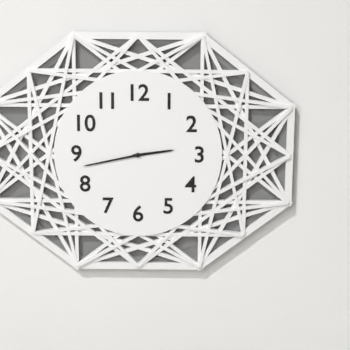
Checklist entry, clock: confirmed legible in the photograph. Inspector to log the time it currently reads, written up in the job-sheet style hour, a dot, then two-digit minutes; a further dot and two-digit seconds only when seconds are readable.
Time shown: 2.43
